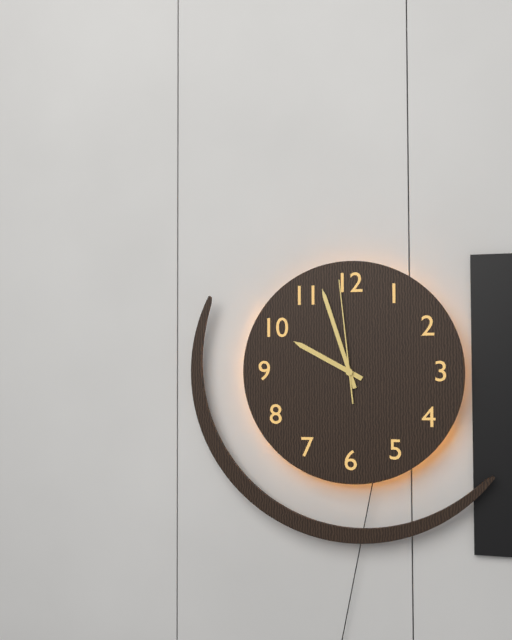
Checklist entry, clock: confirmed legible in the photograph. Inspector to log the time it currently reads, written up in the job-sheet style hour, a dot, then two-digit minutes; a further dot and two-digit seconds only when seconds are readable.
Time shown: 9.57.59
